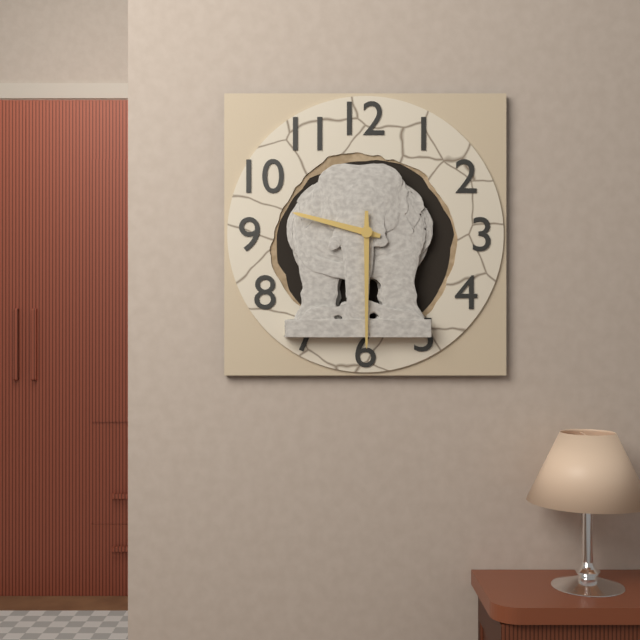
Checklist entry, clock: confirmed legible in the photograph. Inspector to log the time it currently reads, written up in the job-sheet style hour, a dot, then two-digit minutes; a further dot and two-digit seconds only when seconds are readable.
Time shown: 9.30
